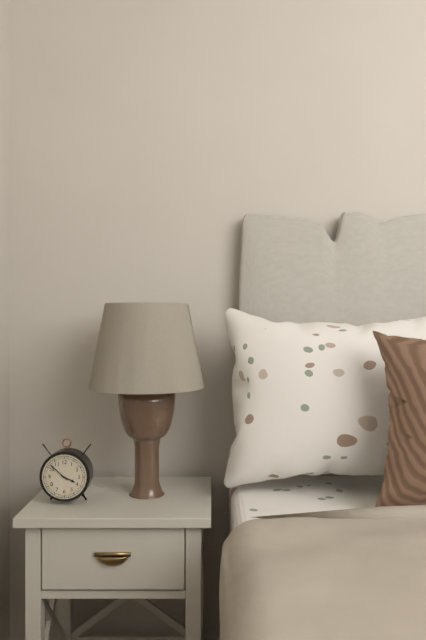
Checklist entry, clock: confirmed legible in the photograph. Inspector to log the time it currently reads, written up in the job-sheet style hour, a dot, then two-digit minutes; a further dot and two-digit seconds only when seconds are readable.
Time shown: 3.52
